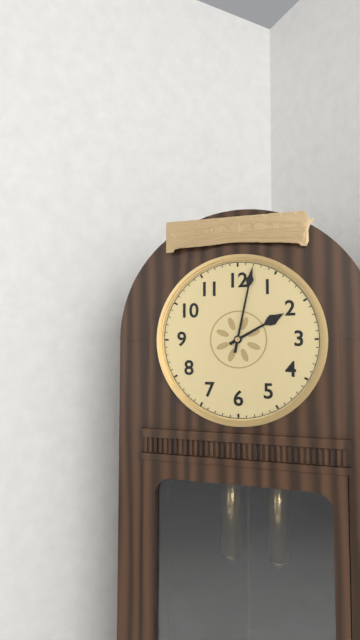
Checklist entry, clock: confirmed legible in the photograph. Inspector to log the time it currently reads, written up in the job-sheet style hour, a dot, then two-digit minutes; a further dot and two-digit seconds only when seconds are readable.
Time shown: 2.02
